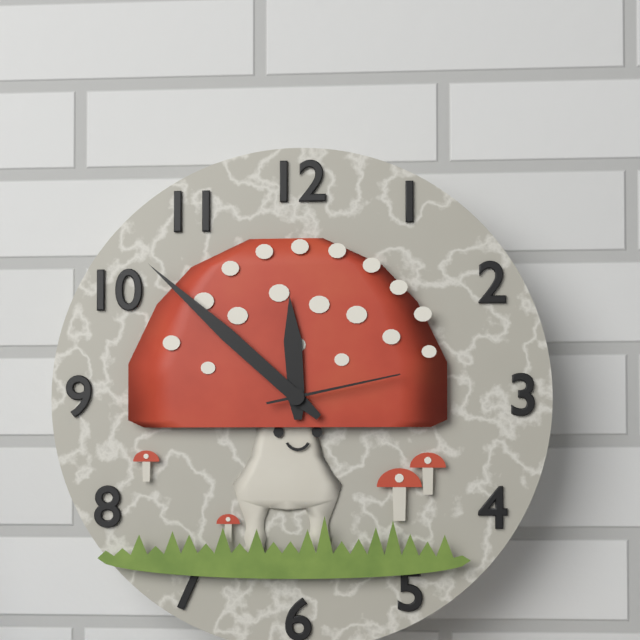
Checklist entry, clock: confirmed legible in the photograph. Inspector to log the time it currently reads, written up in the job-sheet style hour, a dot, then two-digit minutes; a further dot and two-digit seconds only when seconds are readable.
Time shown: 11.52.13
